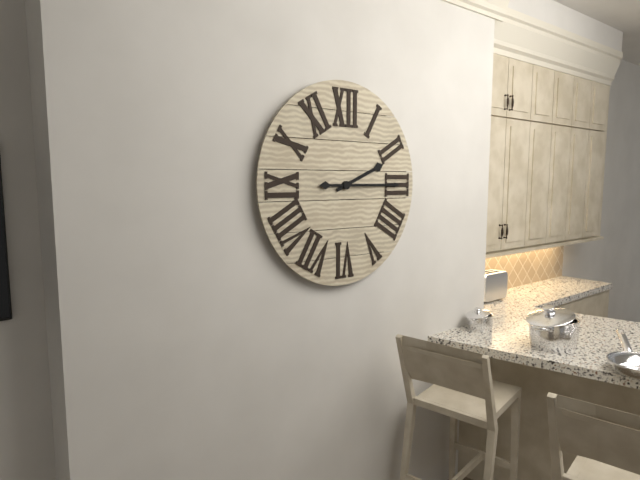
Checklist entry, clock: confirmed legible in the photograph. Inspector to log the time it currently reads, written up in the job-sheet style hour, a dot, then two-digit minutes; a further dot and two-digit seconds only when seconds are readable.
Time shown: 2.15
